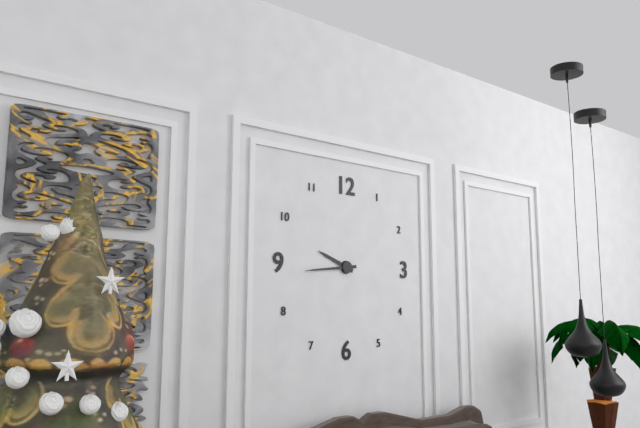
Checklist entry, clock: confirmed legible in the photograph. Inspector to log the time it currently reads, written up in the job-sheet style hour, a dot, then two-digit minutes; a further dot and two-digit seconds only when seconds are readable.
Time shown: 9.44
